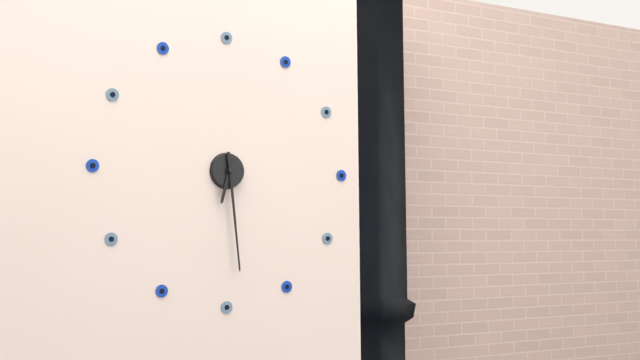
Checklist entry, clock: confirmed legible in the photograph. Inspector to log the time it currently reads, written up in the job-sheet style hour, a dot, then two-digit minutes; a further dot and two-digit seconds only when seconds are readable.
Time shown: 6.29
